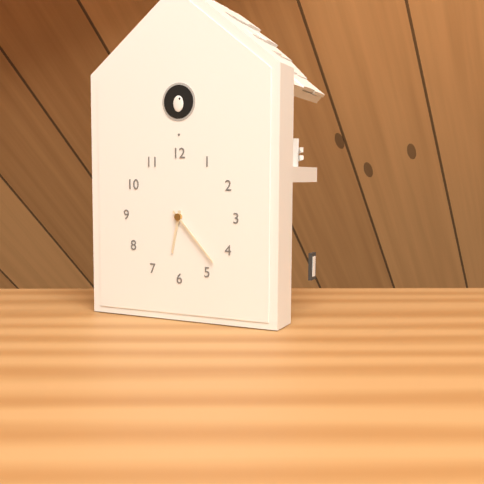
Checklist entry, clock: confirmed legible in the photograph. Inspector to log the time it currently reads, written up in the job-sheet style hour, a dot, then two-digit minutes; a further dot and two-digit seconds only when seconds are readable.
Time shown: 6.23
